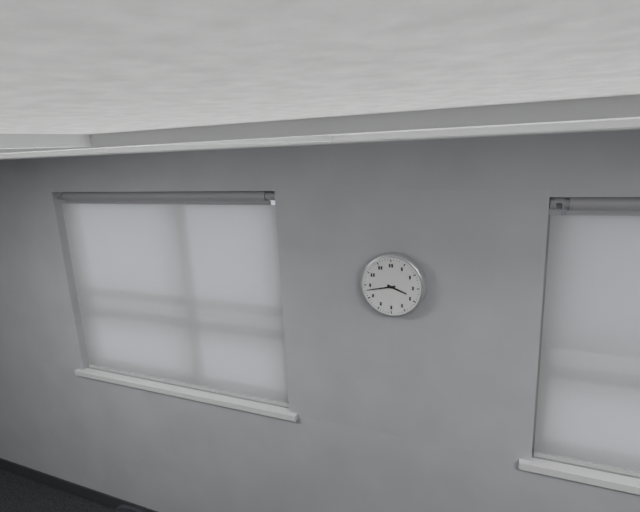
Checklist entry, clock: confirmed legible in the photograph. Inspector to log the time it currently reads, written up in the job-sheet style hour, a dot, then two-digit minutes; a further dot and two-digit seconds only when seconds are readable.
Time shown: 3.43
